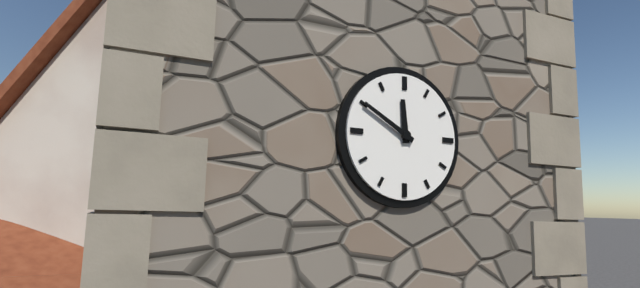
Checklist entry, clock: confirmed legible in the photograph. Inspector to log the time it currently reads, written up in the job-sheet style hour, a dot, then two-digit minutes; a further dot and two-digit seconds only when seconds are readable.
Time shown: 11.50
